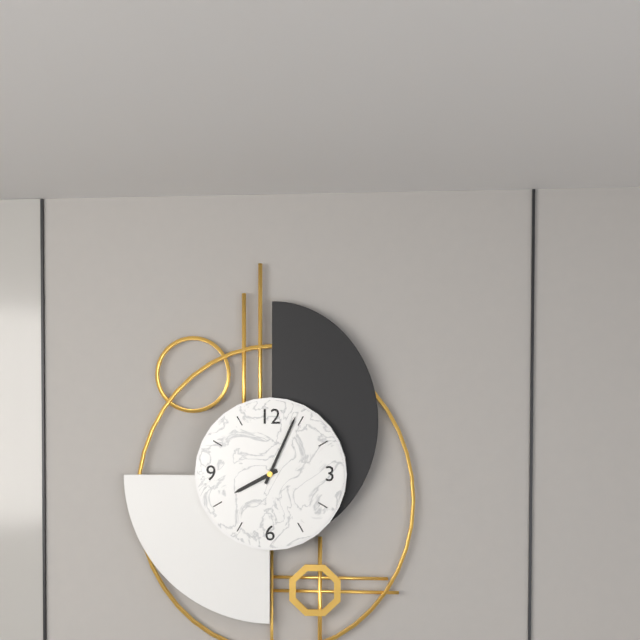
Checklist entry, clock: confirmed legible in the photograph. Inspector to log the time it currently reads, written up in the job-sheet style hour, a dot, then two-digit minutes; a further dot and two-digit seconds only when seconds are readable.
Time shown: 8.04
